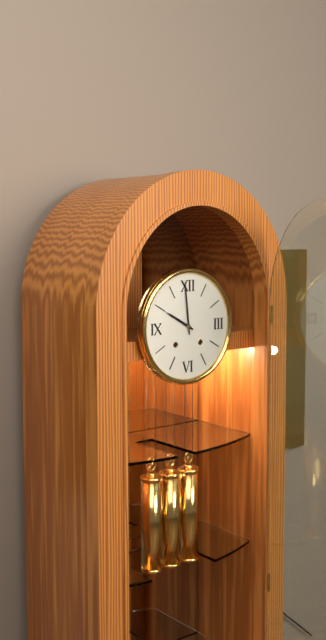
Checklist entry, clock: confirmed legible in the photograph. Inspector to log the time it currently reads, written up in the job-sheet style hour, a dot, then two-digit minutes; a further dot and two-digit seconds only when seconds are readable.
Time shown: 9.59
